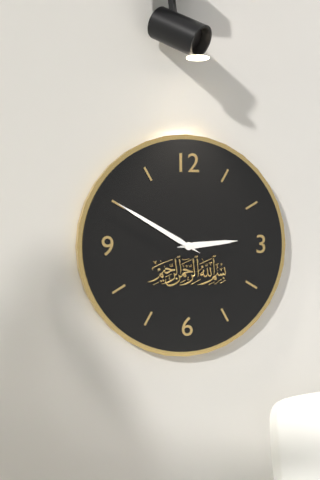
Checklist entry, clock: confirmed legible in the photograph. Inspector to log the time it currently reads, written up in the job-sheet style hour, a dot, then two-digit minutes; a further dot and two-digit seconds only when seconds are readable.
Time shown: 2.50
